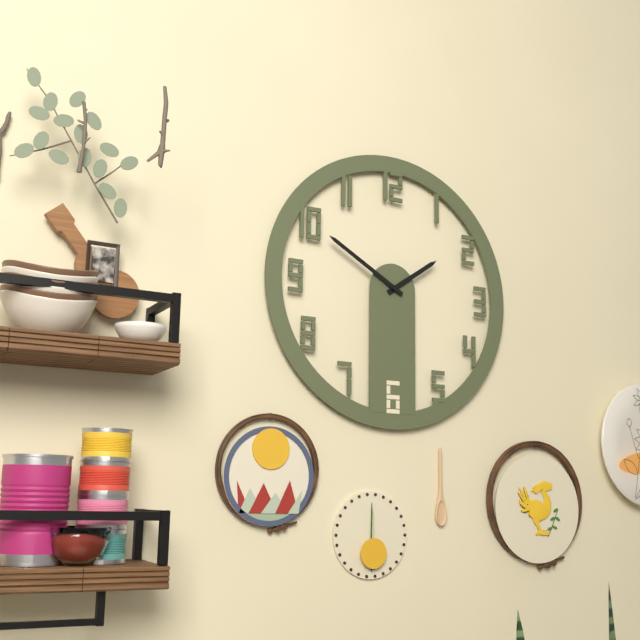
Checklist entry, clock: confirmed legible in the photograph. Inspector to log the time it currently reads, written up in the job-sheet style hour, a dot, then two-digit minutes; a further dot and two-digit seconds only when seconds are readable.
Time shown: 1.50
